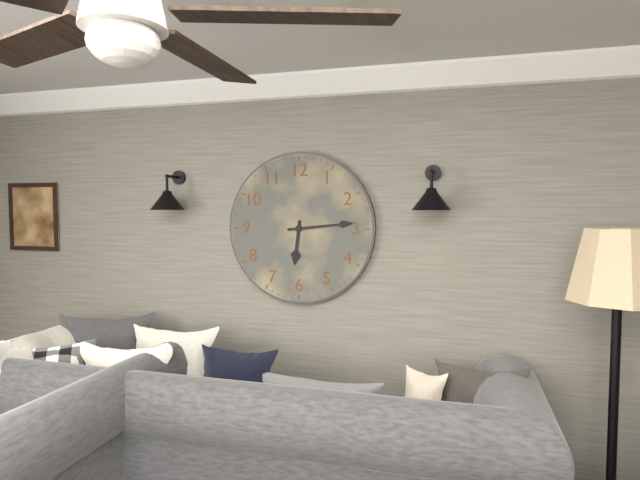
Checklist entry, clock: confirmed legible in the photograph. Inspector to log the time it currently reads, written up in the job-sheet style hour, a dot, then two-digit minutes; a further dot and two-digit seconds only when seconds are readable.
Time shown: 6.14
